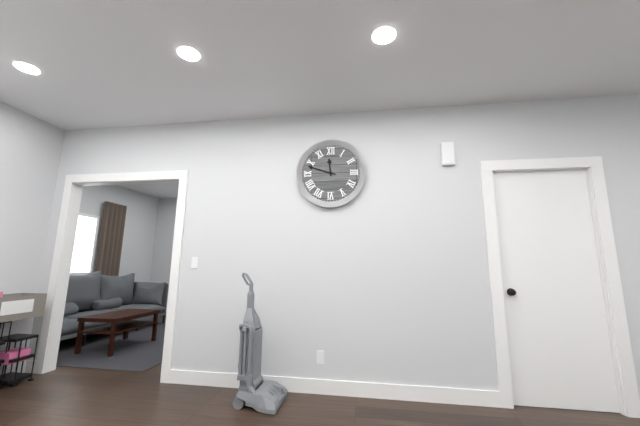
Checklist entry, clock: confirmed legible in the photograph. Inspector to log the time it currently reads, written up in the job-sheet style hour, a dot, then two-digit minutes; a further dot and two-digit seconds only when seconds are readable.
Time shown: 11.48
